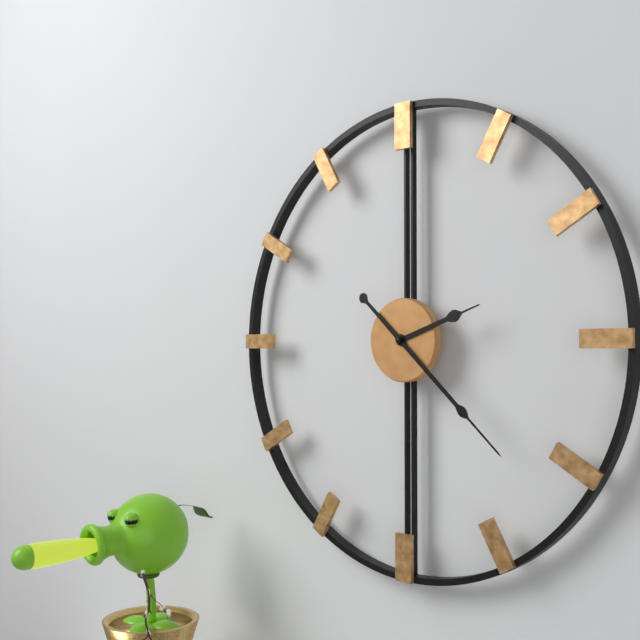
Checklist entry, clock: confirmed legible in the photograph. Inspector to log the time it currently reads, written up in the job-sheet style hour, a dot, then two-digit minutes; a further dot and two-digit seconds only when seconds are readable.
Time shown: 2.22
